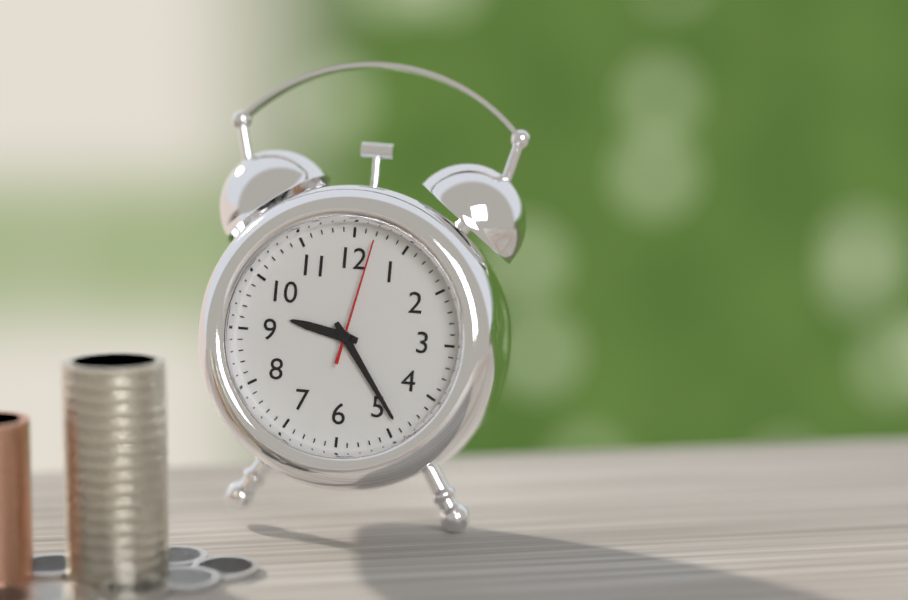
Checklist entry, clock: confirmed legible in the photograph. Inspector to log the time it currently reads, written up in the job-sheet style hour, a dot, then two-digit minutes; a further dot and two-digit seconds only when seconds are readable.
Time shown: 9.24.02
